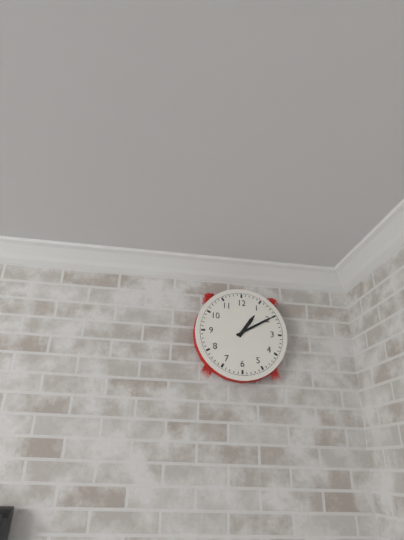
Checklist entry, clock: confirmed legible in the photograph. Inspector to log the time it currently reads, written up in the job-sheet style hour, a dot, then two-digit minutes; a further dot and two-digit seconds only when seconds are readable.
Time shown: 1.10
